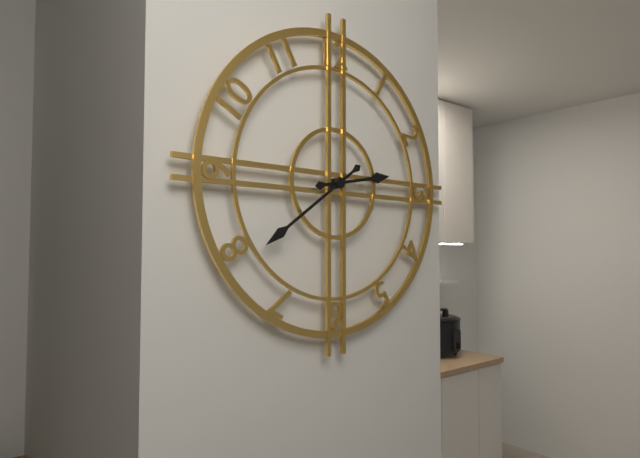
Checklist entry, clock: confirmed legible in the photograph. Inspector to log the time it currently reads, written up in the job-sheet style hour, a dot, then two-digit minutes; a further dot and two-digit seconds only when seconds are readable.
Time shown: 2.39
